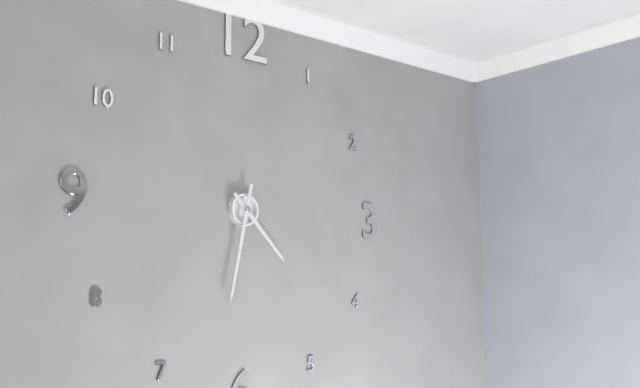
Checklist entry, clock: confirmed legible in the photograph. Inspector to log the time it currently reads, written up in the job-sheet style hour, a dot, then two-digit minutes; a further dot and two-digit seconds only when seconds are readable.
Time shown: 4.32
